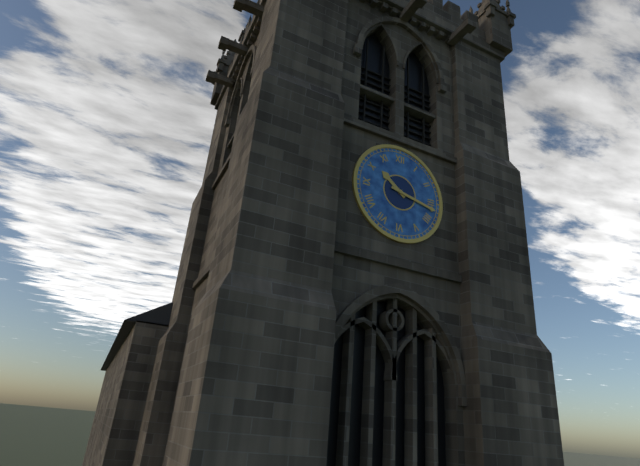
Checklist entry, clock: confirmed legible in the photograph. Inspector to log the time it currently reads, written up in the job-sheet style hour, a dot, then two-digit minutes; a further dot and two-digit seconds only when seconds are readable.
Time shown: 10.17
